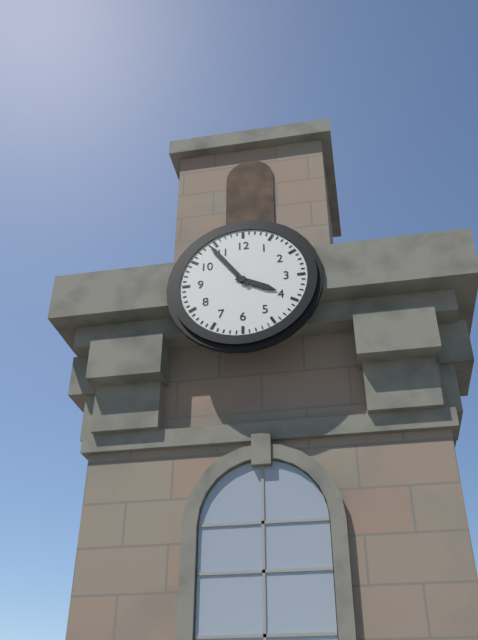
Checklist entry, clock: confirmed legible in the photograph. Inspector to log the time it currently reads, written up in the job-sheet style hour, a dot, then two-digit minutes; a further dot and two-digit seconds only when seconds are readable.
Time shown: 3.54
